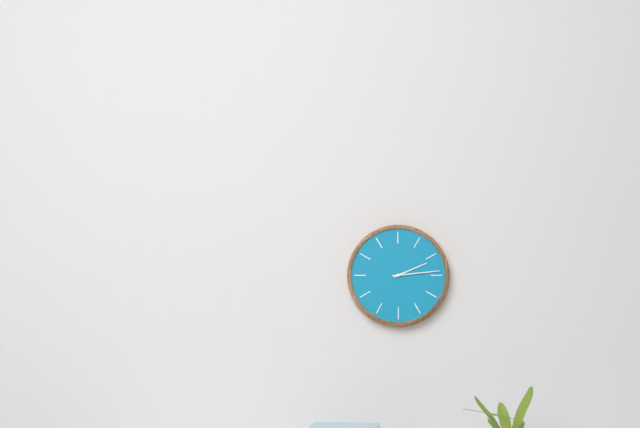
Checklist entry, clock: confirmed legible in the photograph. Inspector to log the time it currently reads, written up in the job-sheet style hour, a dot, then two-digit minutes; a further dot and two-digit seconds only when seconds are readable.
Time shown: 2.14
